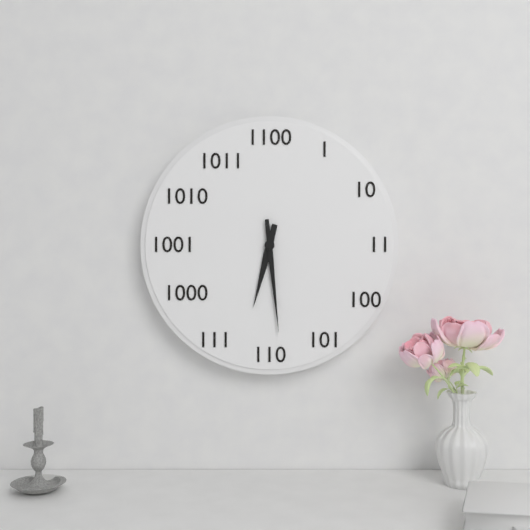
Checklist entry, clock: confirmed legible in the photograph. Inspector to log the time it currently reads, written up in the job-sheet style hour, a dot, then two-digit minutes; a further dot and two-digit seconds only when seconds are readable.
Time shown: 6.29
